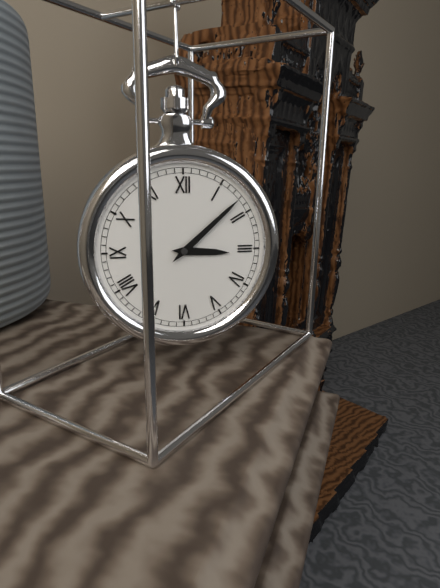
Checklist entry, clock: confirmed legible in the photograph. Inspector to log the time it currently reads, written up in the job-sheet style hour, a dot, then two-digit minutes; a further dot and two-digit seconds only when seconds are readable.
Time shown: 3.08
